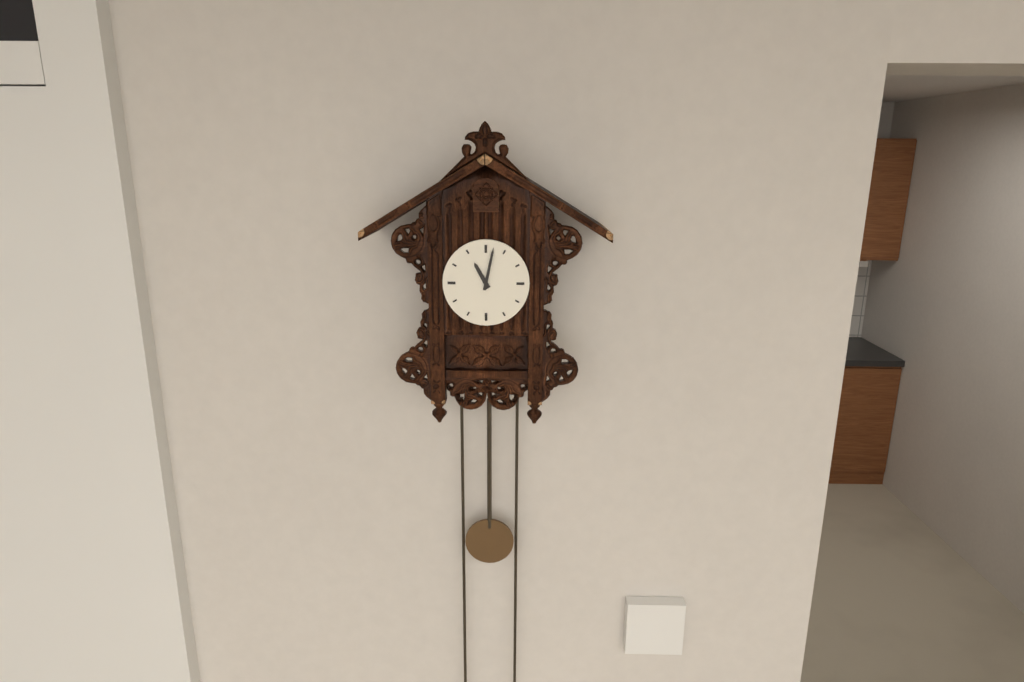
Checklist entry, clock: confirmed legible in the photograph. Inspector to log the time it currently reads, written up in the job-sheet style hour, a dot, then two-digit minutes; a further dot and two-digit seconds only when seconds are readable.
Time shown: 11.02
